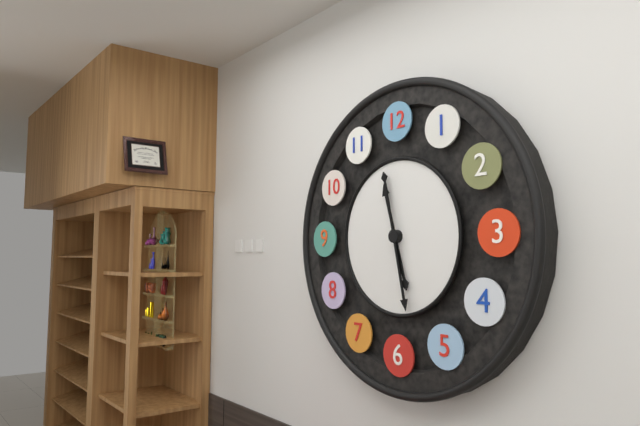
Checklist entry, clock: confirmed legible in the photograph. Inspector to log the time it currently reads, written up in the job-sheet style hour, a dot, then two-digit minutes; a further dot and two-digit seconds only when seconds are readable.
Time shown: 11.28
